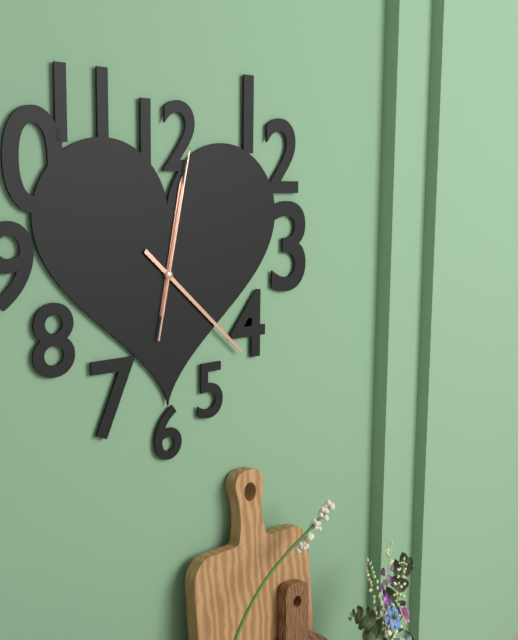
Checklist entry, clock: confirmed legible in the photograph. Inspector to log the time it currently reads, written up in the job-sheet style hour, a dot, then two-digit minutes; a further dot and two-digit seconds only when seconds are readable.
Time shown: 12.22.02
